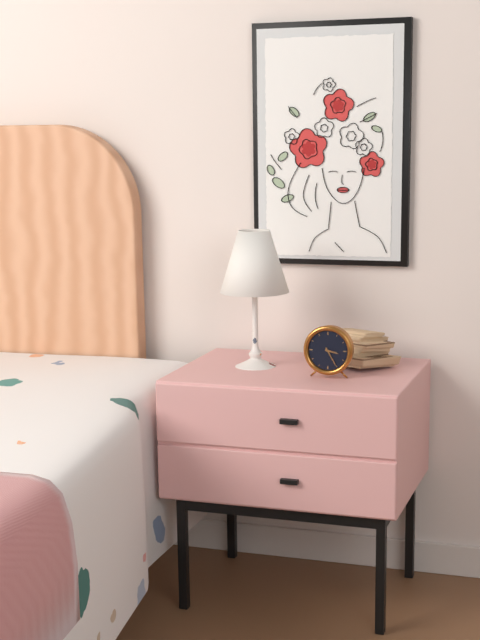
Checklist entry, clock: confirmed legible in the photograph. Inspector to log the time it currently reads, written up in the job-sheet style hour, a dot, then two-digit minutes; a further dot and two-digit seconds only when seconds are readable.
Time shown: 3.25
